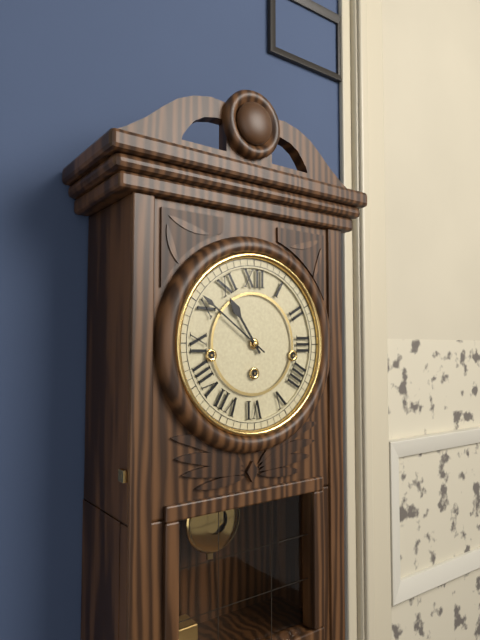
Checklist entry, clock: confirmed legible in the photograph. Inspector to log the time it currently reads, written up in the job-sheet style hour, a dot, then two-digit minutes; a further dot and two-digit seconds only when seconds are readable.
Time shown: 10.51
